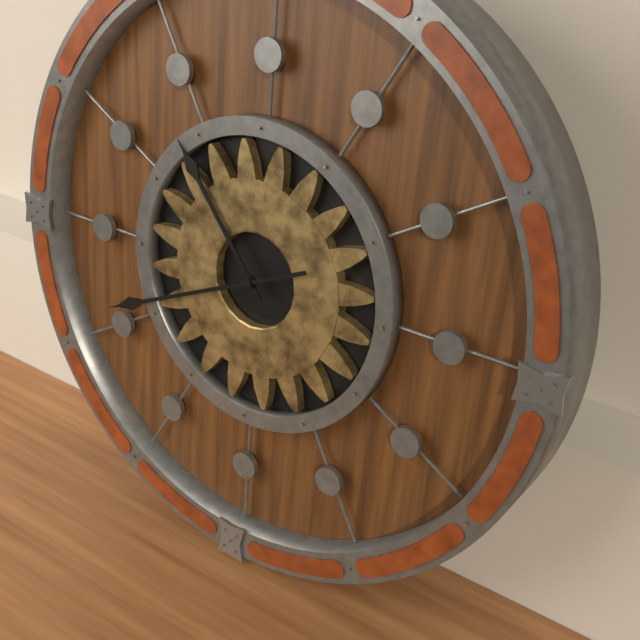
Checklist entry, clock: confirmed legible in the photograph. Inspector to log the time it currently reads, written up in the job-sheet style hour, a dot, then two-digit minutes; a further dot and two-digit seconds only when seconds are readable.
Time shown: 10.41
